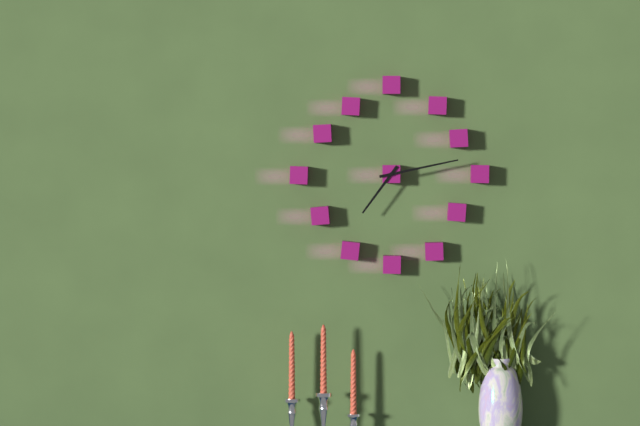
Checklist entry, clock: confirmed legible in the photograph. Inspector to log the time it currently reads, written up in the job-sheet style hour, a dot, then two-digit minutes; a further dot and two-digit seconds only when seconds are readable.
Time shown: 7.13
